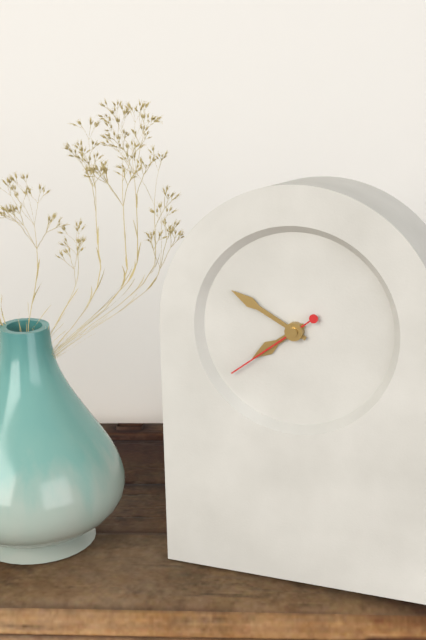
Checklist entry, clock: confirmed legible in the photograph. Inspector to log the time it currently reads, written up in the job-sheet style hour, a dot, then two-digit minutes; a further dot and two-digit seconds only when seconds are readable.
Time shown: 7.50.39
